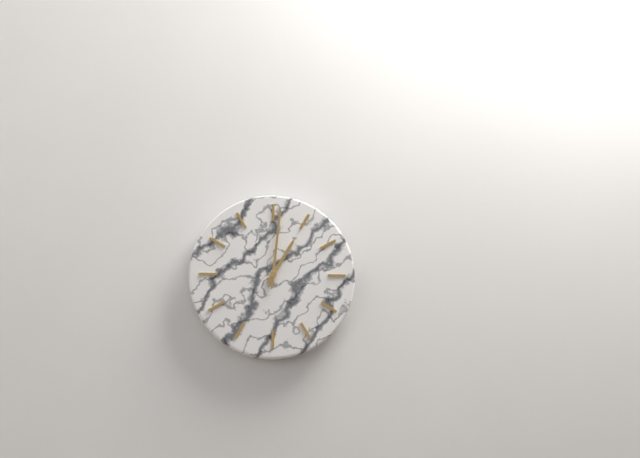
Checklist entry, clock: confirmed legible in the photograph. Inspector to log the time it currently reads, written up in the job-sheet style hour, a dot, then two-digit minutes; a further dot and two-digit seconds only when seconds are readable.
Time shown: 1.01
